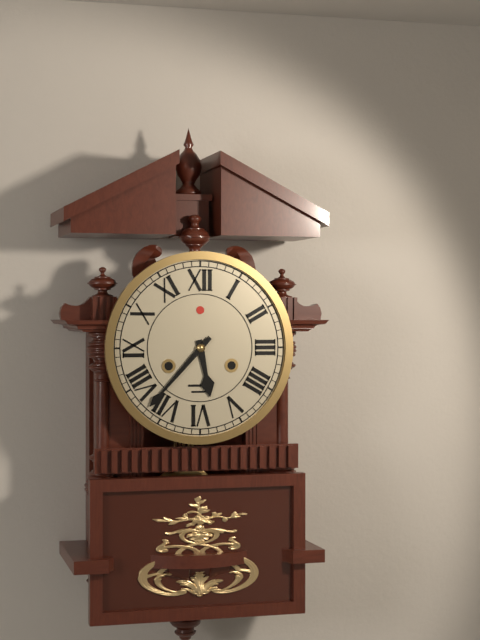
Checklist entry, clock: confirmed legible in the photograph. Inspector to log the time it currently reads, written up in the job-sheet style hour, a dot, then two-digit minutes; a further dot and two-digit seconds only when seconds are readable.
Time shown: 5.37
